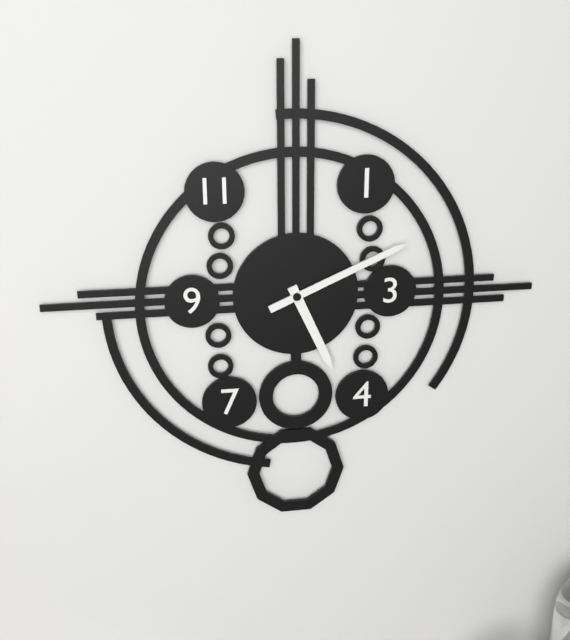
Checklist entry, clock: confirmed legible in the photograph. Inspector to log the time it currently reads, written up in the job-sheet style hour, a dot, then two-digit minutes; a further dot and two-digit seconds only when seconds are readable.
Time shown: 5.11
